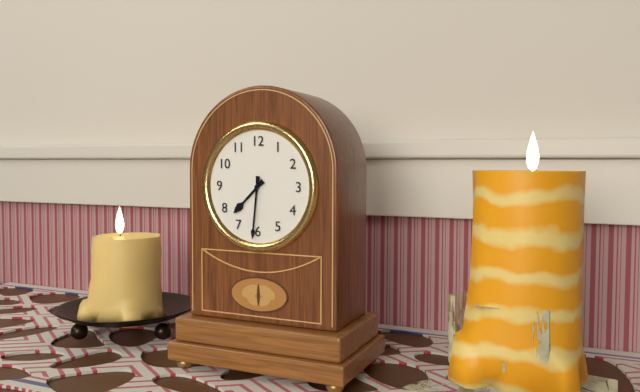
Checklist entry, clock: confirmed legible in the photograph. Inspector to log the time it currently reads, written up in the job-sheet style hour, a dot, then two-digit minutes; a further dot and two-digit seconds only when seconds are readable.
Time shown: 7.31
